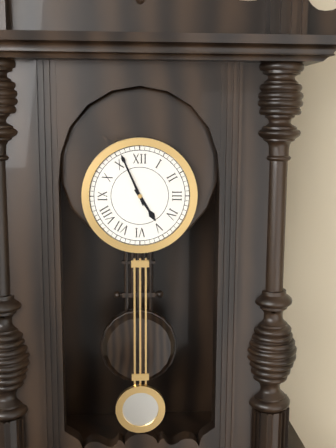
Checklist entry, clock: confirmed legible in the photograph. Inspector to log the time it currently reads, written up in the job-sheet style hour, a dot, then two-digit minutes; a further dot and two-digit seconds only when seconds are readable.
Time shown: 4.56
